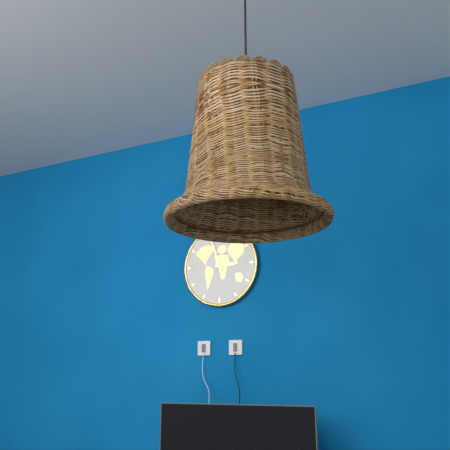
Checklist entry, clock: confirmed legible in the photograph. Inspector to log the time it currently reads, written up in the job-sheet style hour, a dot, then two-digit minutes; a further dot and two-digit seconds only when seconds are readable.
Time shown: 2.57
